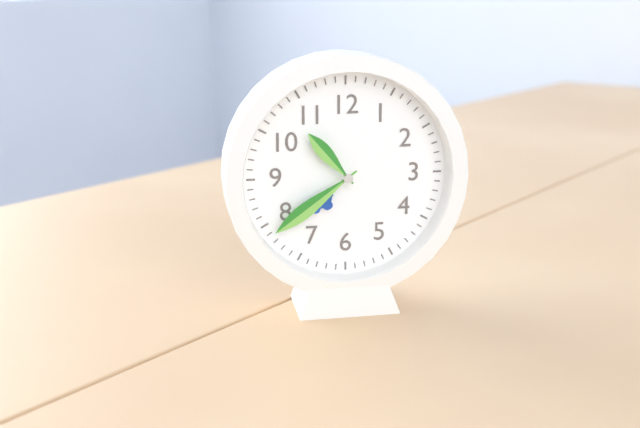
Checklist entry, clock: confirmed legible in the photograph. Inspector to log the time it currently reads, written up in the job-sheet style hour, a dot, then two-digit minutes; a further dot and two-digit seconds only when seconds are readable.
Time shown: 10.39
